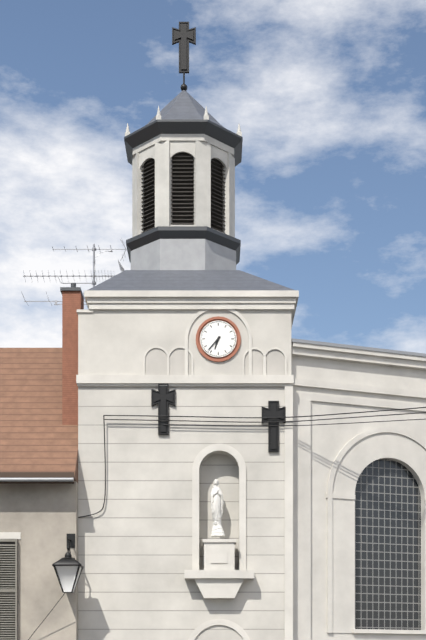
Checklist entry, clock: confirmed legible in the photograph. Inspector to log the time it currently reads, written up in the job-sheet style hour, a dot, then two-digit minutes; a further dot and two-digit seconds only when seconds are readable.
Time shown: 6.37
